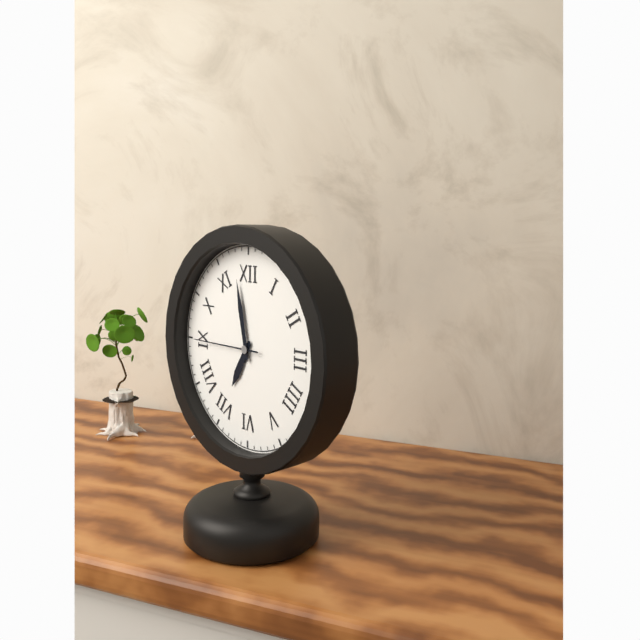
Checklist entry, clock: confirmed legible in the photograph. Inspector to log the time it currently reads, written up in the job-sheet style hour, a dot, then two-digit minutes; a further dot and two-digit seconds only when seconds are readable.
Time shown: 6.58.45
